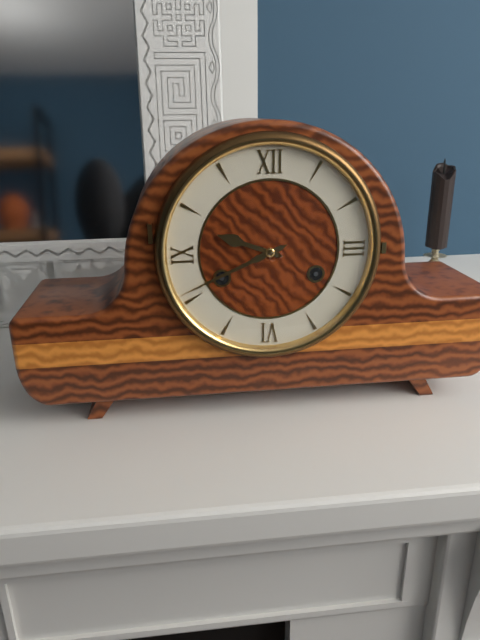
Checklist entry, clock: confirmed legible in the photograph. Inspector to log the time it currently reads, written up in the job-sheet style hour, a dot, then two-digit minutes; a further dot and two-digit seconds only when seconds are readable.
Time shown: 9.41
